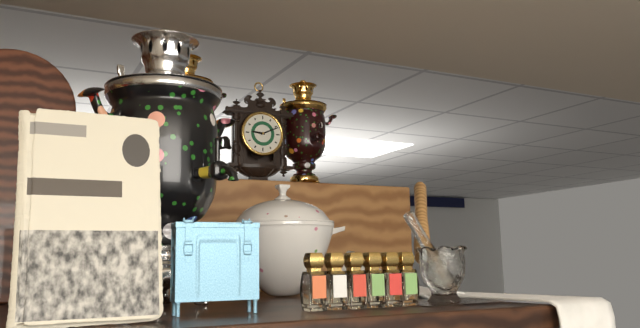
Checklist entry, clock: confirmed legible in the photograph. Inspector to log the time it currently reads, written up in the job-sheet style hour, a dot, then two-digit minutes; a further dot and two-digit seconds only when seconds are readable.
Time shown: 9.11
